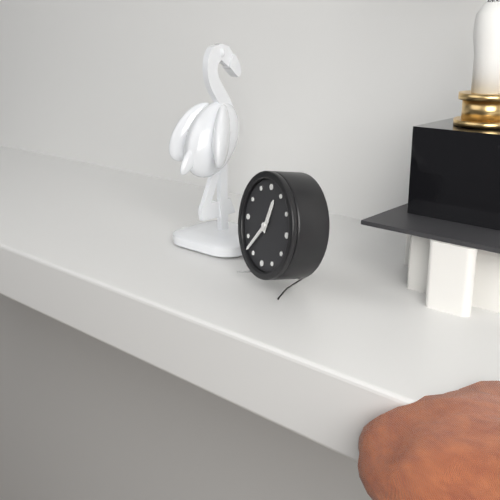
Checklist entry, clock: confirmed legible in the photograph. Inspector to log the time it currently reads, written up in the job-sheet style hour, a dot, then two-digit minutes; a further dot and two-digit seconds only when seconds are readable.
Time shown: 12.37
